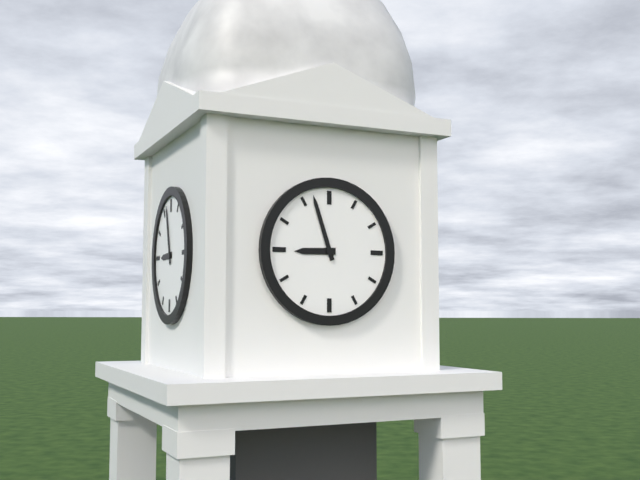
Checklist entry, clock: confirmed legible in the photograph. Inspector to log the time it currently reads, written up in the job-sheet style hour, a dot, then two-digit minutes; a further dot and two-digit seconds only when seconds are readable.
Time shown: 8.57
